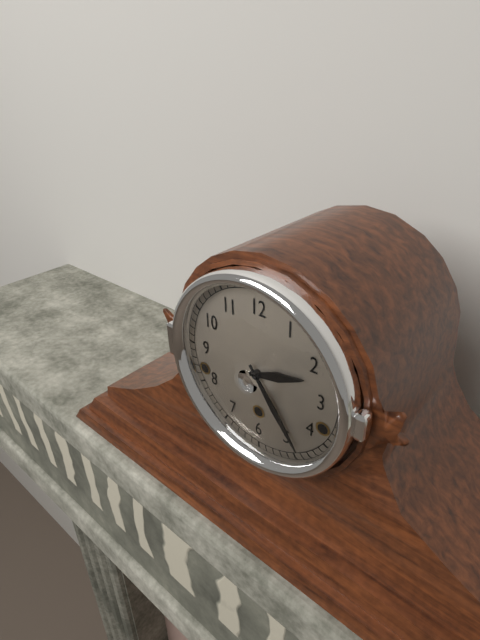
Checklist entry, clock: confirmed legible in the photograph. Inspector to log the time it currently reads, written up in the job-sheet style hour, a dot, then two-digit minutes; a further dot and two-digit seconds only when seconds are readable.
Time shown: 2.24
